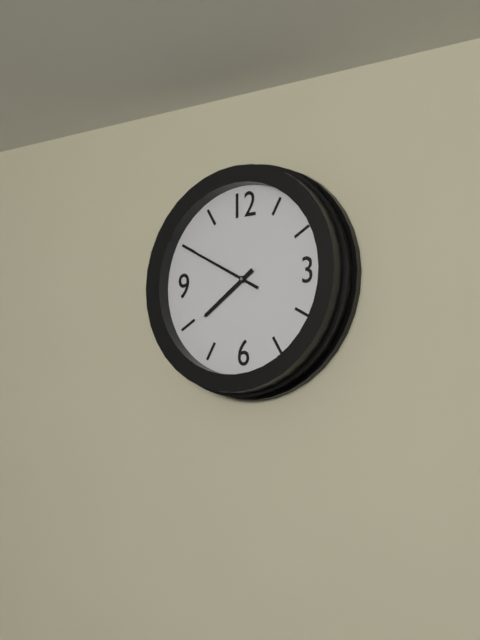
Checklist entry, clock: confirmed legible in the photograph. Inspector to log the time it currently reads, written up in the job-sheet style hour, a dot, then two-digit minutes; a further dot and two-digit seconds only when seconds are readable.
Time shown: 7.50
